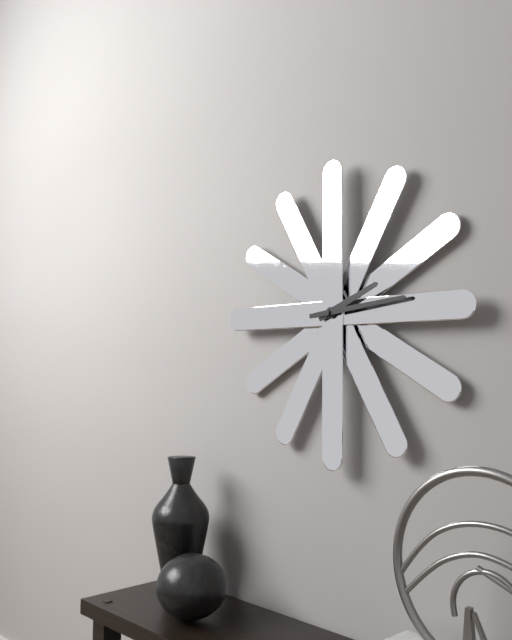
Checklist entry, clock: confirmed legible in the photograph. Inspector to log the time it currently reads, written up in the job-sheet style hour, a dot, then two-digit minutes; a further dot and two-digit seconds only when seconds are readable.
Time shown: 2.14
